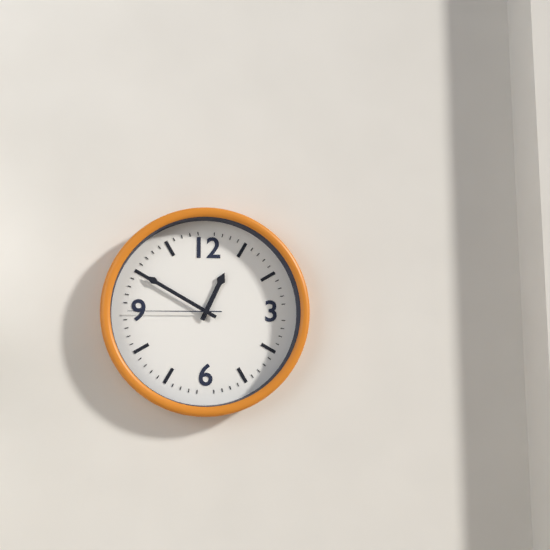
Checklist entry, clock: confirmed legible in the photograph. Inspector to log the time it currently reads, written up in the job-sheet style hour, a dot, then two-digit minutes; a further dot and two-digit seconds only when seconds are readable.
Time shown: 12.50.45
